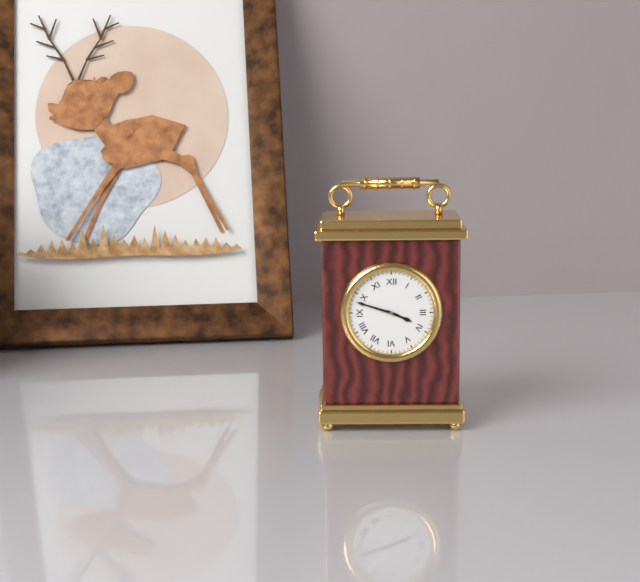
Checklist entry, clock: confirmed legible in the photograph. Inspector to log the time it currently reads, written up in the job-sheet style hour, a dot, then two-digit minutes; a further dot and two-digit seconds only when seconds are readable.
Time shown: 3.48
